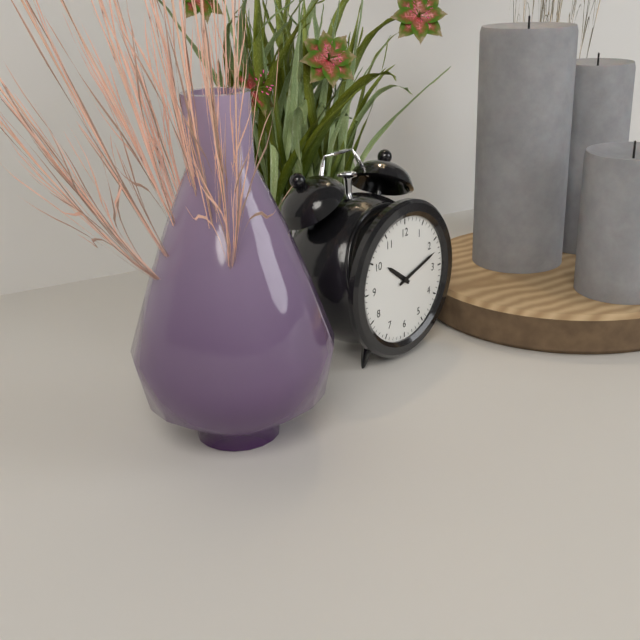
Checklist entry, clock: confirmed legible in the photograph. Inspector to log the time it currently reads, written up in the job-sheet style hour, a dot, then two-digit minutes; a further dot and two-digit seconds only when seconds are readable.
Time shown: 10.12
